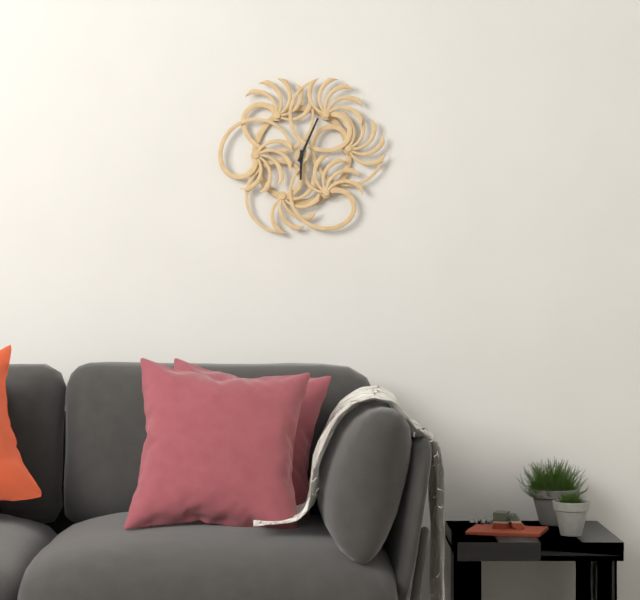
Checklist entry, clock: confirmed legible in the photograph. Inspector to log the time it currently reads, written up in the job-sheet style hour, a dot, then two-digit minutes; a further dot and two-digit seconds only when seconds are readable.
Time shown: 6.04
